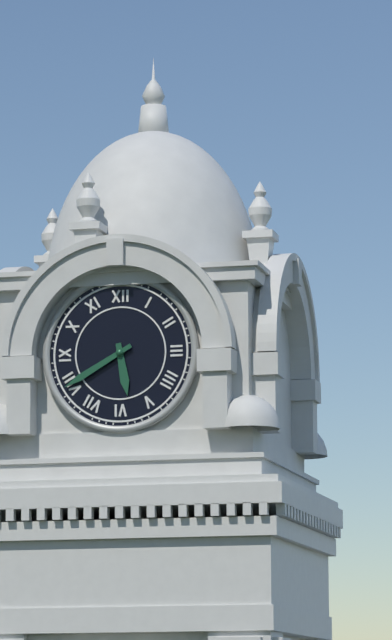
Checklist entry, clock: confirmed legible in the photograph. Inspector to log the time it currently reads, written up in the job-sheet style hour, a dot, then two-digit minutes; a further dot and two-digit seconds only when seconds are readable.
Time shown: 5.40
